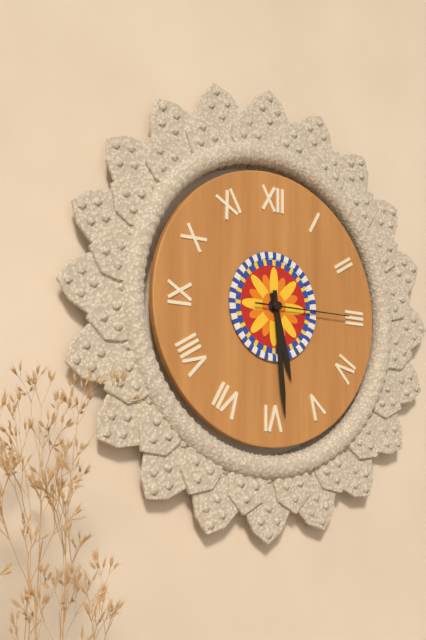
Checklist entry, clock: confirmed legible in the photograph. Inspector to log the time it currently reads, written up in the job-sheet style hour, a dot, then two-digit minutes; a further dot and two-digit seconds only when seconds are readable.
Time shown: 5.29.15
